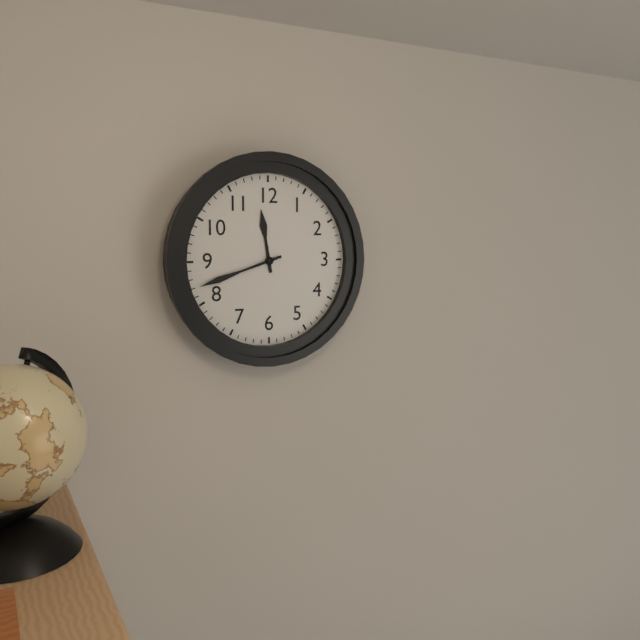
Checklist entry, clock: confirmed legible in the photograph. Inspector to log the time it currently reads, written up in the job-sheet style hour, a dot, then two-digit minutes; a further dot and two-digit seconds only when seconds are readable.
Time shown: 11.42
